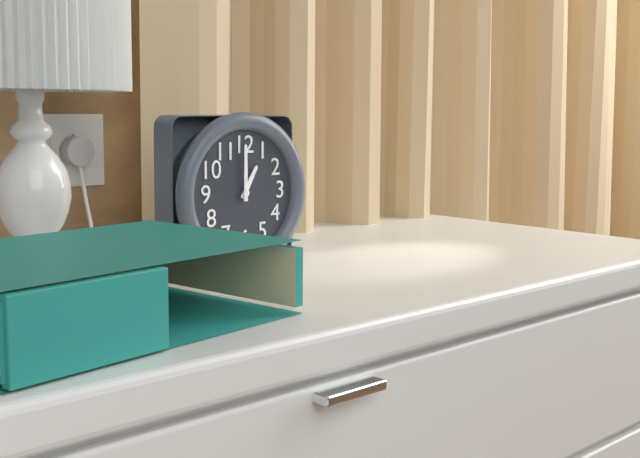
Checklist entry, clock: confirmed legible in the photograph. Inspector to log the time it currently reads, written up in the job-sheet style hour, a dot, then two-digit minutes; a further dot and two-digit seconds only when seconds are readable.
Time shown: 1.00
